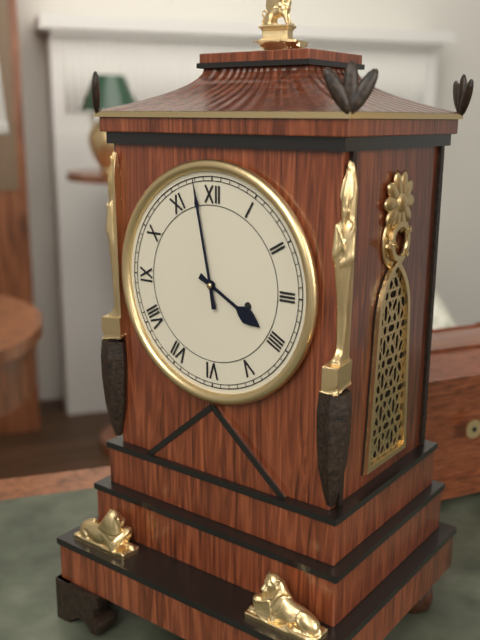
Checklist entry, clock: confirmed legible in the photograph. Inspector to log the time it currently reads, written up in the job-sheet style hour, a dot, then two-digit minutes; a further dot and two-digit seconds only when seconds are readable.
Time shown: 3.58
